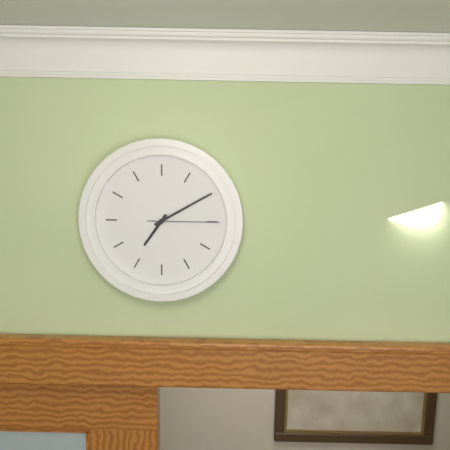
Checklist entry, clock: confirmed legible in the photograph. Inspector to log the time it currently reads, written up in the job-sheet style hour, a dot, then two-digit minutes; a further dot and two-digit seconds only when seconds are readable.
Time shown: 7.10.15
